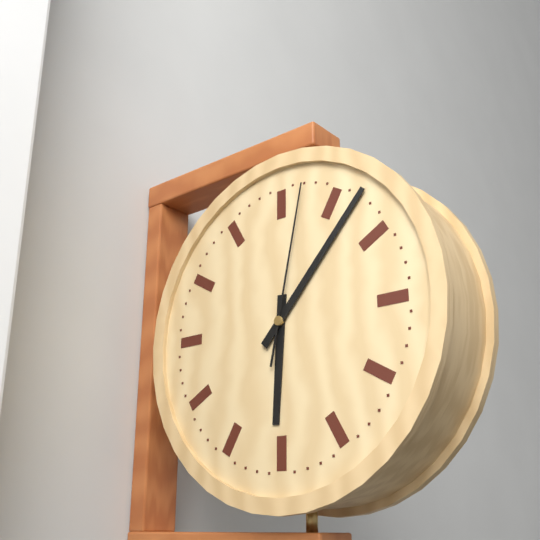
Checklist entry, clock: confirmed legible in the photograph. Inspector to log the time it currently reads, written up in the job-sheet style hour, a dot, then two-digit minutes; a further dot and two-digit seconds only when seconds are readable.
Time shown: 6.07.02
